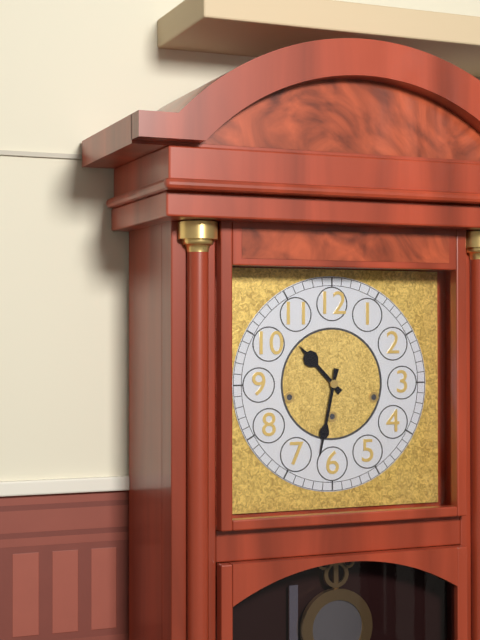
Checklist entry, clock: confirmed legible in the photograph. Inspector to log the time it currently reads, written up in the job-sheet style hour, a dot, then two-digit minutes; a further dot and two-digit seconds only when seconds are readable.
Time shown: 10.32
